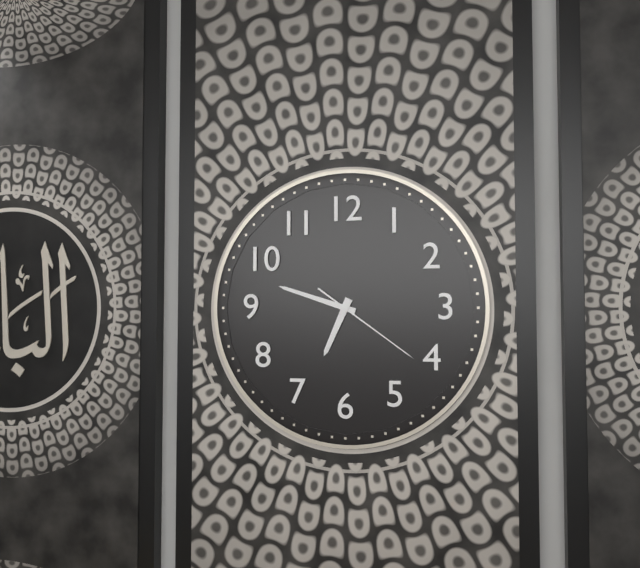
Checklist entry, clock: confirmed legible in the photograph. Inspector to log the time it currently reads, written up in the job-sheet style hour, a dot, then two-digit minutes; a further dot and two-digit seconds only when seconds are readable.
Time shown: 6.48.21
